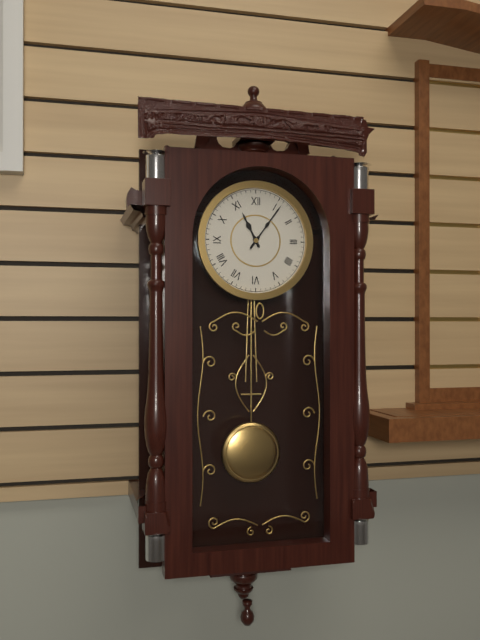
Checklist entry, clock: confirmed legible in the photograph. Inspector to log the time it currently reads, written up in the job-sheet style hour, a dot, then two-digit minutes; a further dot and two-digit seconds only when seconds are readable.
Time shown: 11.06
